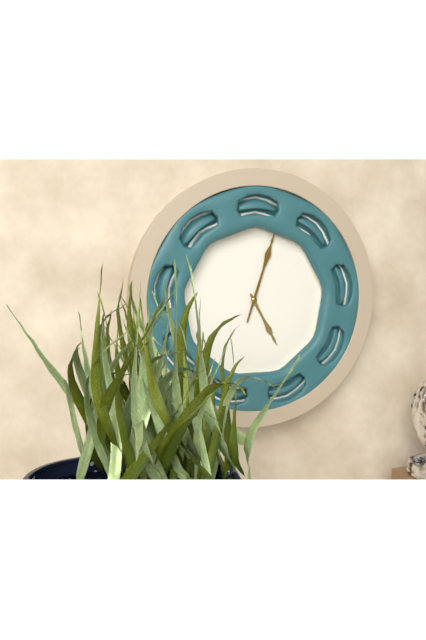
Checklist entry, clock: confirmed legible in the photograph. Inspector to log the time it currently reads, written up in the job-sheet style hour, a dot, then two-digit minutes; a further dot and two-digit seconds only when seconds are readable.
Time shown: 5.03
